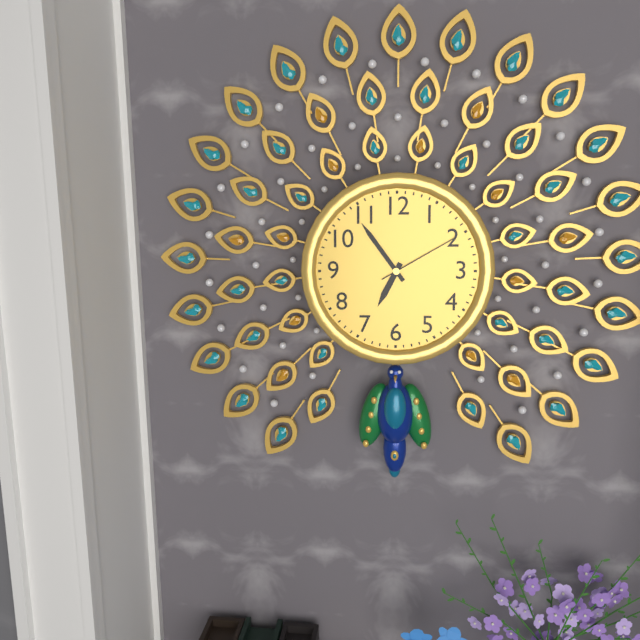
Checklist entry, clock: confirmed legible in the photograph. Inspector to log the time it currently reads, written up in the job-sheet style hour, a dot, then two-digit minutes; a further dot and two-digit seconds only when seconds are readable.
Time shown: 6.54.10
